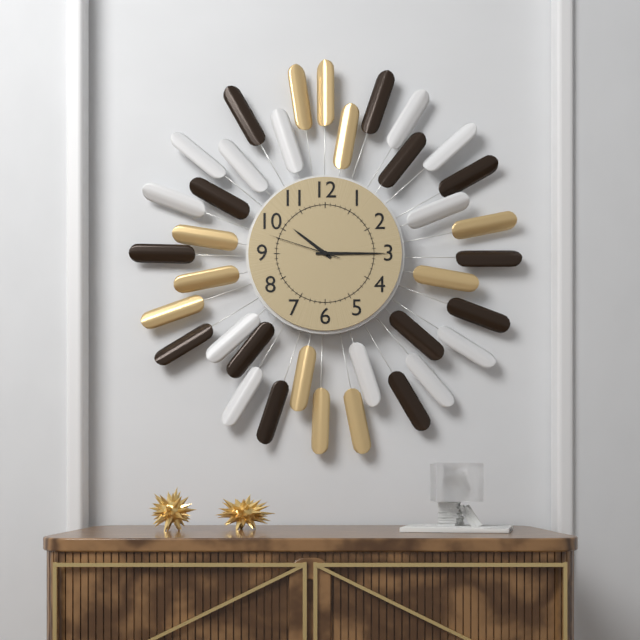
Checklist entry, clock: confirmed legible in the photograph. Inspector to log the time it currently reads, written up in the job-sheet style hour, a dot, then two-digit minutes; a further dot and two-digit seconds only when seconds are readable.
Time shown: 10.15.48
